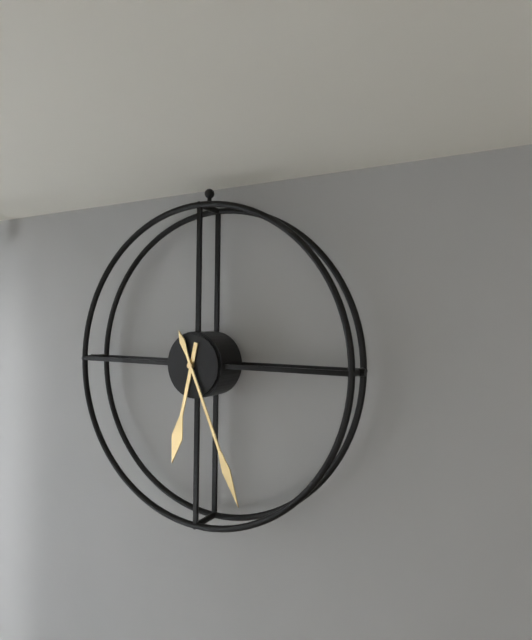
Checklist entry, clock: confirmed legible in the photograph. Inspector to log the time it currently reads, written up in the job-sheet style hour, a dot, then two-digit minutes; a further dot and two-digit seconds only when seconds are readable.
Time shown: 6.26
